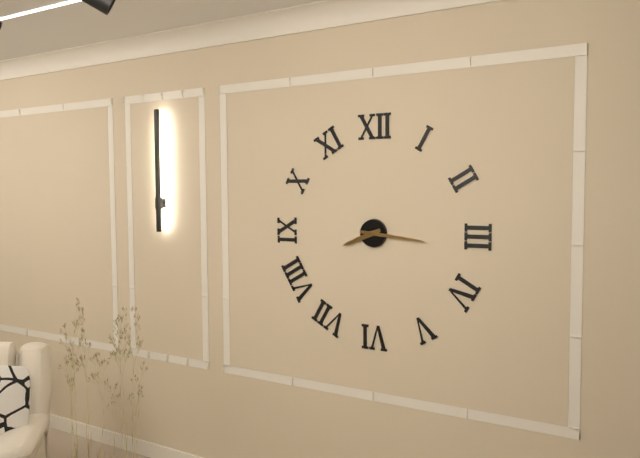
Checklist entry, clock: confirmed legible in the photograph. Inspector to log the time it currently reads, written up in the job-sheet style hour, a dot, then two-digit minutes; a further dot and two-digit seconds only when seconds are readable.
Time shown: 8.16
